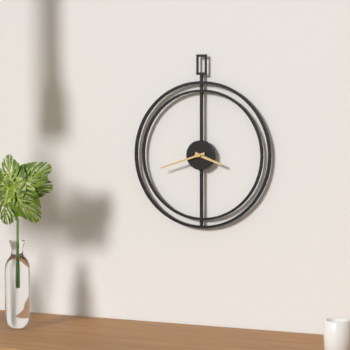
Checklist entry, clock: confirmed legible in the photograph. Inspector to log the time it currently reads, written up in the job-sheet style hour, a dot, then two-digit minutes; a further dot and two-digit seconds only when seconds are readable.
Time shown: 3.42
